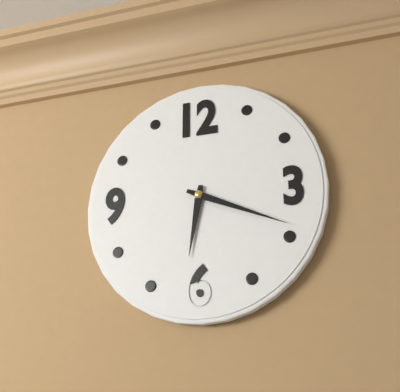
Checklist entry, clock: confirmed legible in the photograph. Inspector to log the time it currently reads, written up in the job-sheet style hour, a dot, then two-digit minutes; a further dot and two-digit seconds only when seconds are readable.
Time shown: 6.19
